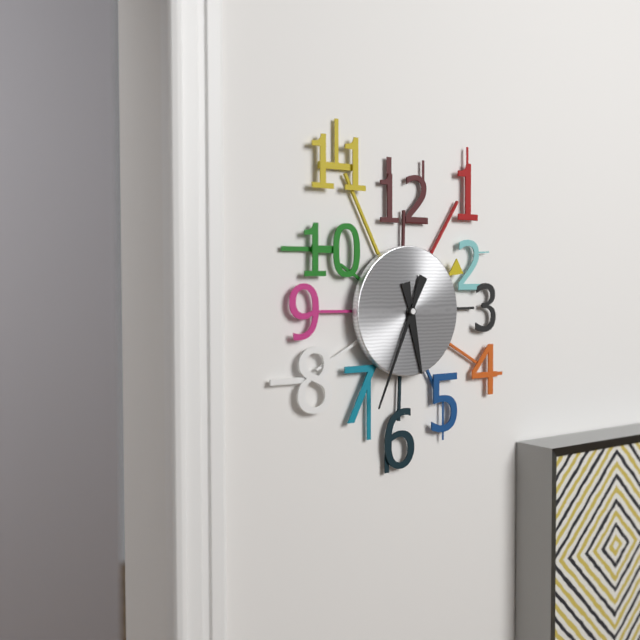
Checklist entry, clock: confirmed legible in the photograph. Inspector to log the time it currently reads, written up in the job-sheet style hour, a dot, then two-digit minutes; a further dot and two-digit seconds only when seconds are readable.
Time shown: 5.34
